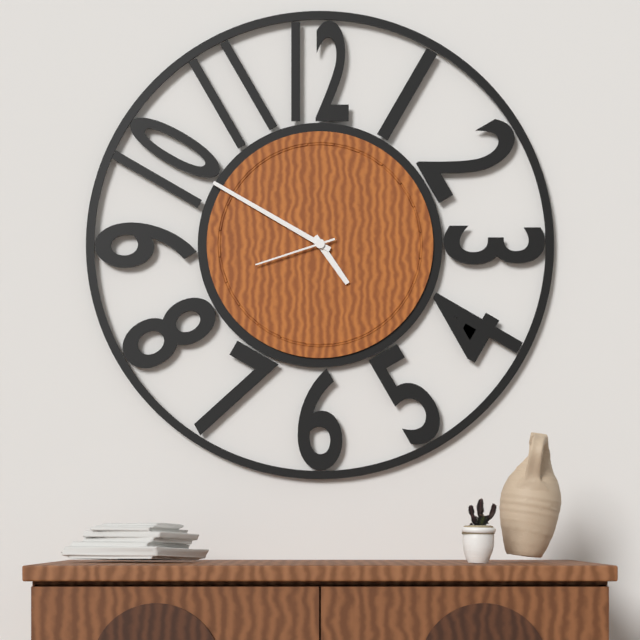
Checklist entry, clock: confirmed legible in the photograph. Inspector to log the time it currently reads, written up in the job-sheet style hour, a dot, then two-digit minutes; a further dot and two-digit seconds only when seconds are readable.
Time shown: 4.50.42
